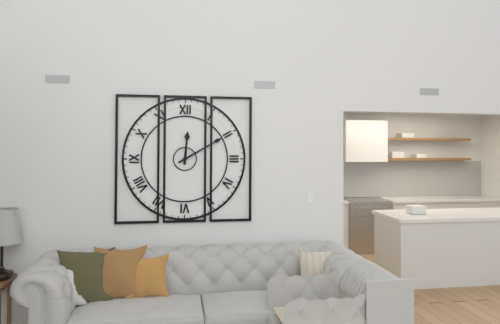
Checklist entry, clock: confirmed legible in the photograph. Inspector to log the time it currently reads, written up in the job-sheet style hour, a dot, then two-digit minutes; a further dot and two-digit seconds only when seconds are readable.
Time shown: 12.10
